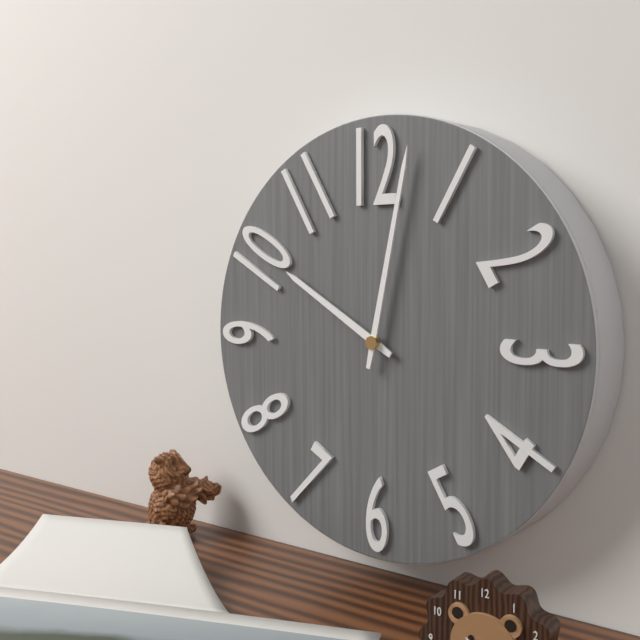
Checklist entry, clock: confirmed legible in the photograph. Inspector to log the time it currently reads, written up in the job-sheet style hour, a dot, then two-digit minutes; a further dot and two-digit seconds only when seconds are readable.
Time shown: 10.02
